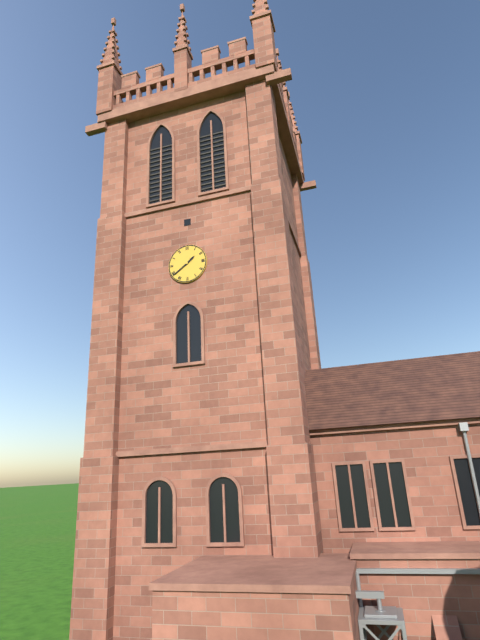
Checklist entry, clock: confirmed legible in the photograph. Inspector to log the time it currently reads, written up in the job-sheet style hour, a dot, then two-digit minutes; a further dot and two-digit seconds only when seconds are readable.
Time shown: 1.39
